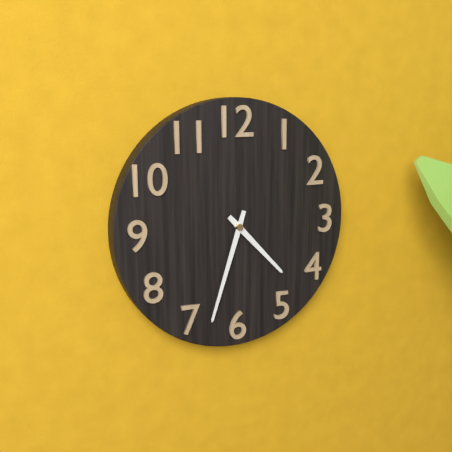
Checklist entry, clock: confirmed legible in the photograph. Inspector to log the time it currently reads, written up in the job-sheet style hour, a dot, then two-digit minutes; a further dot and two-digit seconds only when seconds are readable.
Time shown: 4.33
